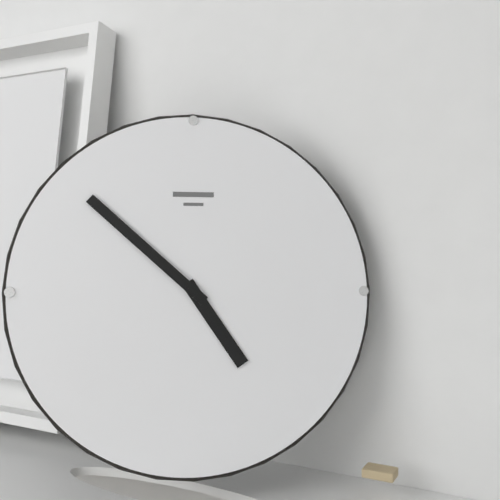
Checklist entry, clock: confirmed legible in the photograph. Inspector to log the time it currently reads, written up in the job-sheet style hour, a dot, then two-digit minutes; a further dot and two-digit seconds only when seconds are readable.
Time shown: 4.52
